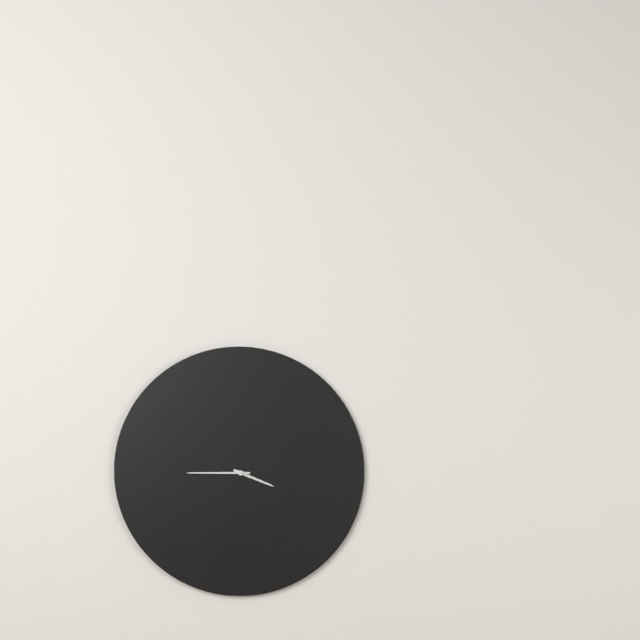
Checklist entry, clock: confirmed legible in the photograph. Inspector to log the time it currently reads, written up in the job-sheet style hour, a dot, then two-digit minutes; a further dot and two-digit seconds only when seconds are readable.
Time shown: 3.45
